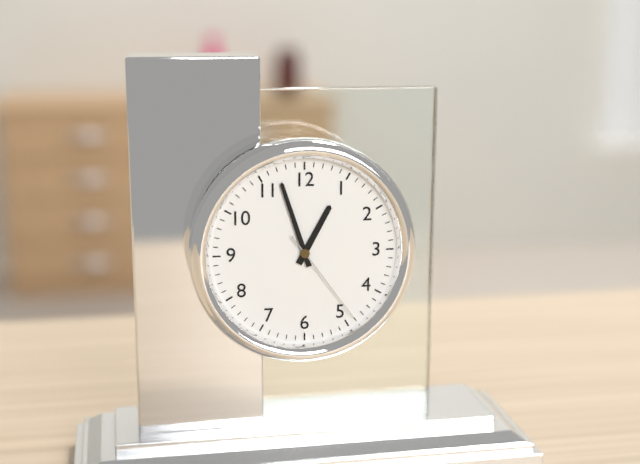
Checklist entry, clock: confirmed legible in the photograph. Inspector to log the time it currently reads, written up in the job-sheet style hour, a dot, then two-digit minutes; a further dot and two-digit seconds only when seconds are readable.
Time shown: 12.57.24
